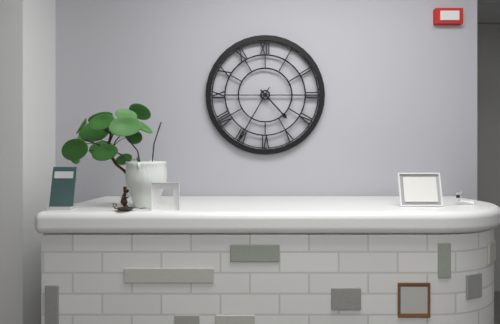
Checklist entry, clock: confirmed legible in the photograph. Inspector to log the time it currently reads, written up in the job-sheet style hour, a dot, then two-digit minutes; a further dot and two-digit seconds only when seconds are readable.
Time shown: 4.35
